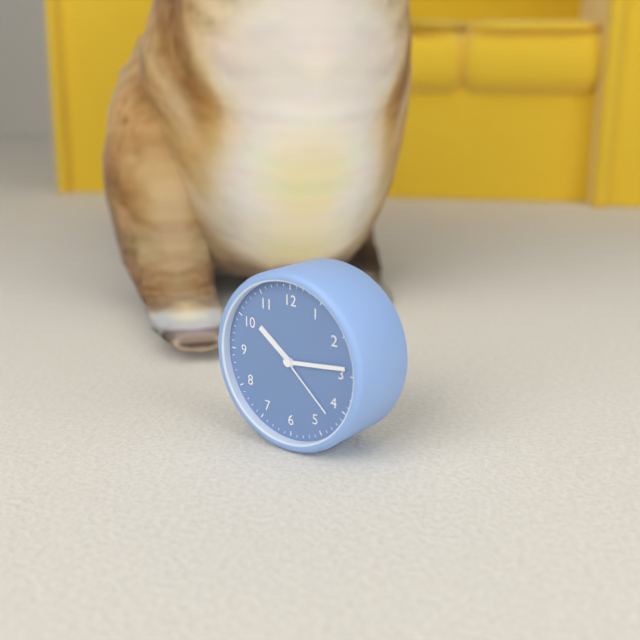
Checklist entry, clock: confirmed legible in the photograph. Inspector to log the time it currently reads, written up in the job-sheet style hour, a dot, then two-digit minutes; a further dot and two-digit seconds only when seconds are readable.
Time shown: 10.14.22
